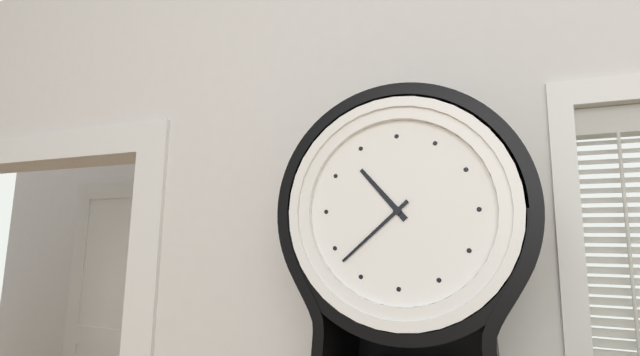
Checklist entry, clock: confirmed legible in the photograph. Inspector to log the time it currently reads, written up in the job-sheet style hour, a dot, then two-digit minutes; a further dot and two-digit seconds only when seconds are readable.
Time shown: 10.38
